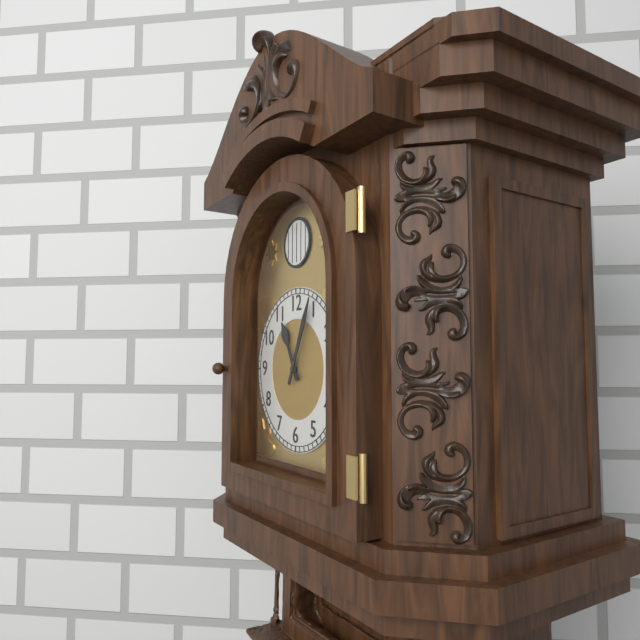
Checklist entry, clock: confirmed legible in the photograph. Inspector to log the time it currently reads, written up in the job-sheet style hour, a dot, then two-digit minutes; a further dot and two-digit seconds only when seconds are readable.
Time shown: 11.04
